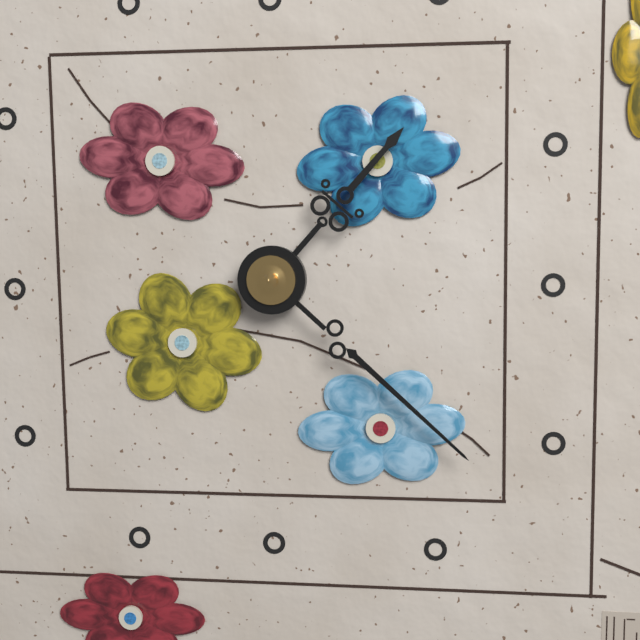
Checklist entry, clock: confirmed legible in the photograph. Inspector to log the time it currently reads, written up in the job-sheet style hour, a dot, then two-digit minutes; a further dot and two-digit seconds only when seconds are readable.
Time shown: 1.22
